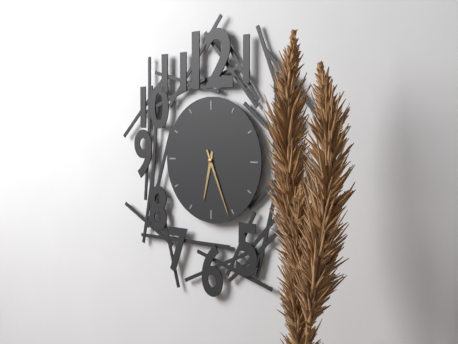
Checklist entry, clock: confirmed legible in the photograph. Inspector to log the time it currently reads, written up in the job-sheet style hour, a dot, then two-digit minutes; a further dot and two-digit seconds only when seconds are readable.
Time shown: 6.26
